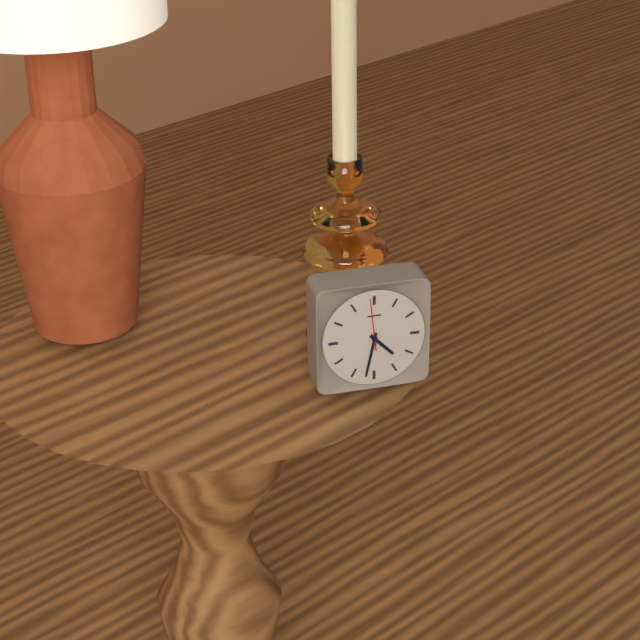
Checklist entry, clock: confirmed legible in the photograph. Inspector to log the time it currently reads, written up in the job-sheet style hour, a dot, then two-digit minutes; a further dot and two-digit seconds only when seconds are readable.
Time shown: 4.32
